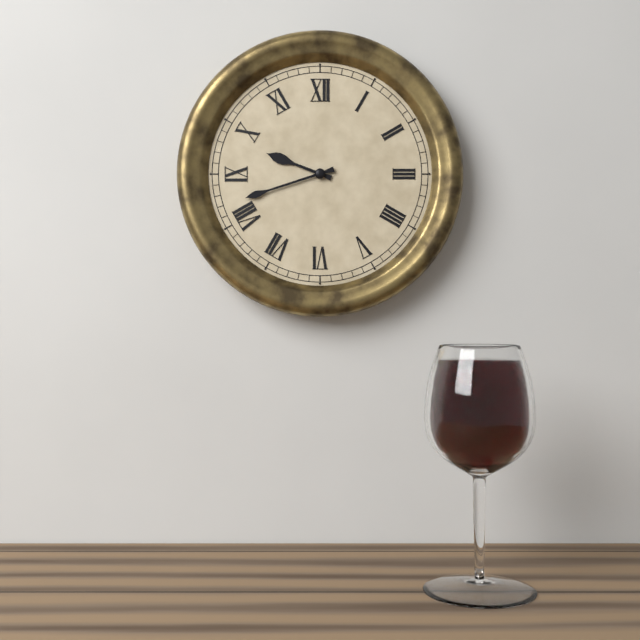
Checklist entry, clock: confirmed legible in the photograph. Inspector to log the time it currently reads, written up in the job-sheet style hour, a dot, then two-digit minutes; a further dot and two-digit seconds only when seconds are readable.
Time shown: 9.42
